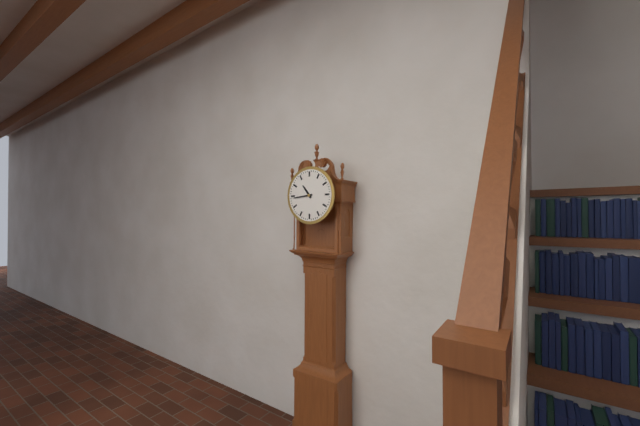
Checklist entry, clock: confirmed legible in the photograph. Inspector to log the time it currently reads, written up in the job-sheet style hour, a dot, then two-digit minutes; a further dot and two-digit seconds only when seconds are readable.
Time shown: 10.44
